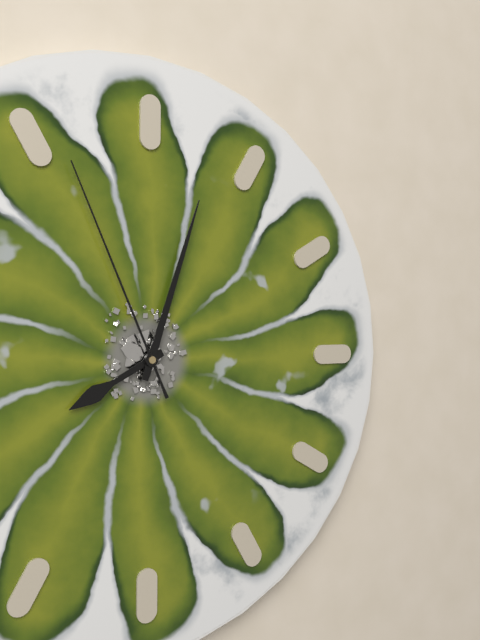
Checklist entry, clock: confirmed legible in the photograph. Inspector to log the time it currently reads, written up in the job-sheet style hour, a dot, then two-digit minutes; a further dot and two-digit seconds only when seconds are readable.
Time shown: 8.03.56
